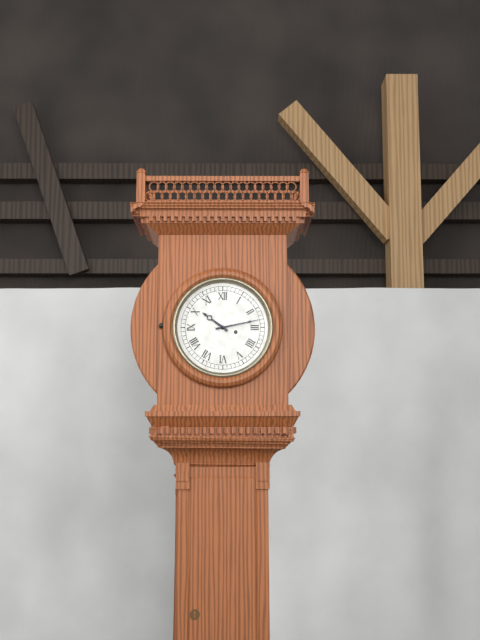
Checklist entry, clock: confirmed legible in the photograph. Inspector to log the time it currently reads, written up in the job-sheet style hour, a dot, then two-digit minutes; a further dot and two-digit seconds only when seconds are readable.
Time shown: 10.13
